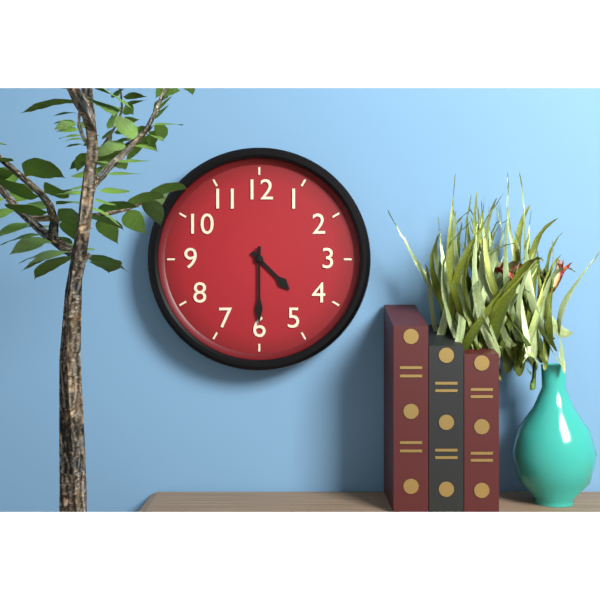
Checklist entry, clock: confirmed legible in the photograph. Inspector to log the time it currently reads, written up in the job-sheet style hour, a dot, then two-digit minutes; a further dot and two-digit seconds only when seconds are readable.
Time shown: 4.30
